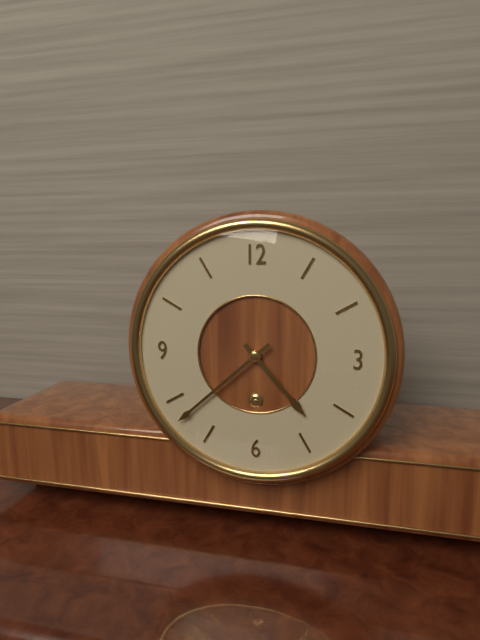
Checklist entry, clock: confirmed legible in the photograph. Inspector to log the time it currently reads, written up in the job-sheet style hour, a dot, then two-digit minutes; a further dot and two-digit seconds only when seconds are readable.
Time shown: 4.38
